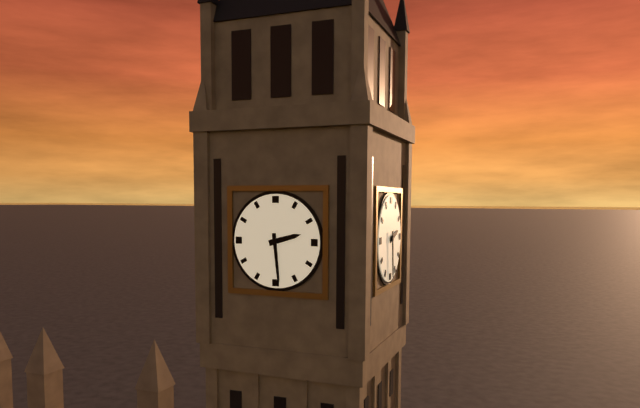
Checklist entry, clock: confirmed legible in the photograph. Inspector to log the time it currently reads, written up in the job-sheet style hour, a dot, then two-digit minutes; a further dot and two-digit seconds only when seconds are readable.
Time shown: 2.29
